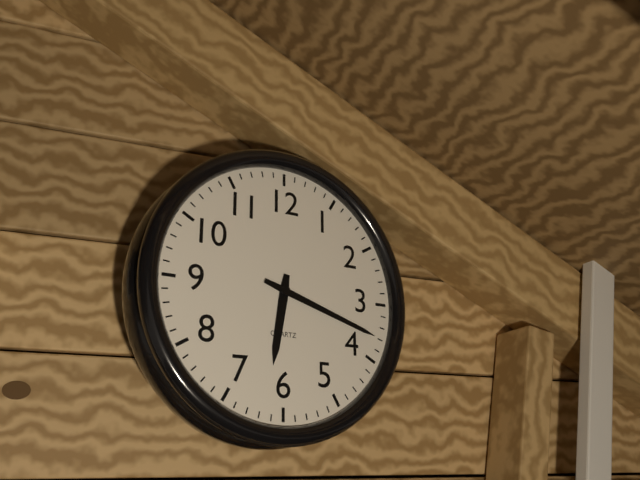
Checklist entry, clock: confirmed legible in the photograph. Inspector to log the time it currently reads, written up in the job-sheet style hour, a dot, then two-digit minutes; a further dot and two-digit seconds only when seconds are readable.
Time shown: 6.18
